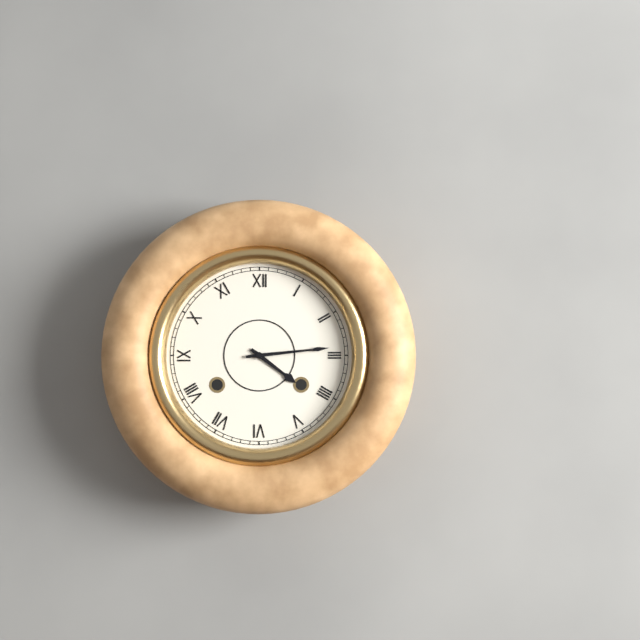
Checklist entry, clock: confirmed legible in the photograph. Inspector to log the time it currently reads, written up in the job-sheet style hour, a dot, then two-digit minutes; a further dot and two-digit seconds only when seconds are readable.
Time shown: 4.14
